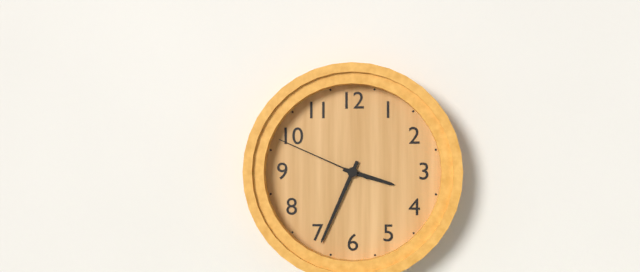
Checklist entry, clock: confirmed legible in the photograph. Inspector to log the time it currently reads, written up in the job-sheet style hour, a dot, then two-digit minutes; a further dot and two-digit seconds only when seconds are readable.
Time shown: 3.34.49
